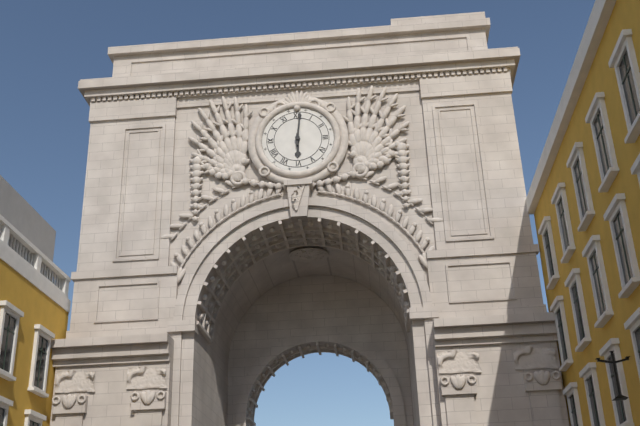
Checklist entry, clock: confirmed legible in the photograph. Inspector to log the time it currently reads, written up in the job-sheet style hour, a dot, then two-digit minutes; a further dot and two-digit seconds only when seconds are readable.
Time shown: 6.01
